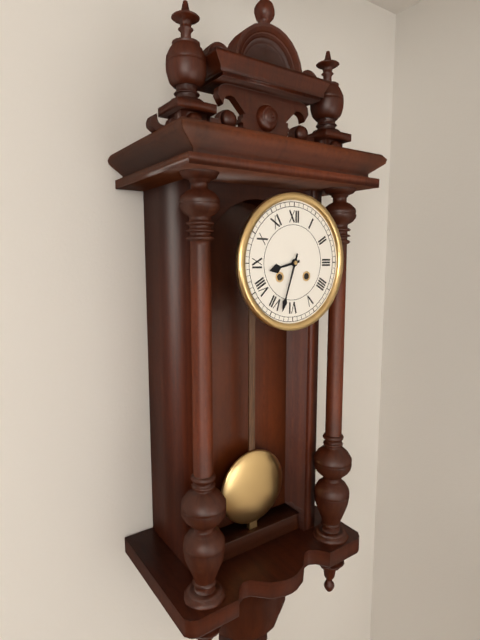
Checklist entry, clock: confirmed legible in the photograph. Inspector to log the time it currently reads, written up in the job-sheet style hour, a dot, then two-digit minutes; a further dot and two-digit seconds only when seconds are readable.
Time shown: 8.33
